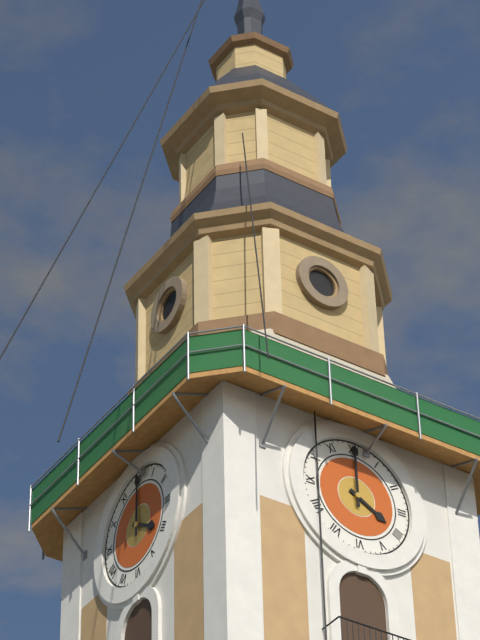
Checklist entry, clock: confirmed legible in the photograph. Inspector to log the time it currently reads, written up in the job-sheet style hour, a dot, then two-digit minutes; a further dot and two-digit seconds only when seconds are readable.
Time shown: 4.00
